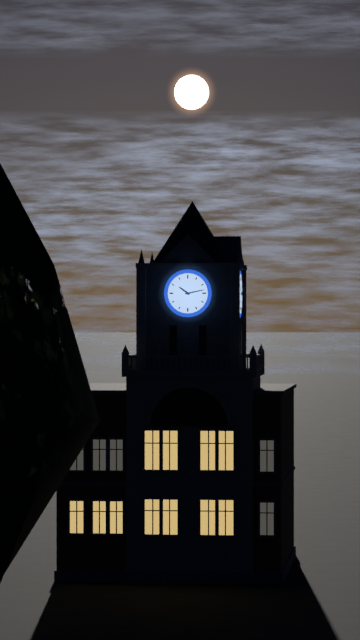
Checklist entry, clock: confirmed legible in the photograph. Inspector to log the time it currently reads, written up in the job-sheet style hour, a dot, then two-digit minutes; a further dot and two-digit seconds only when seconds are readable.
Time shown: 10.13
